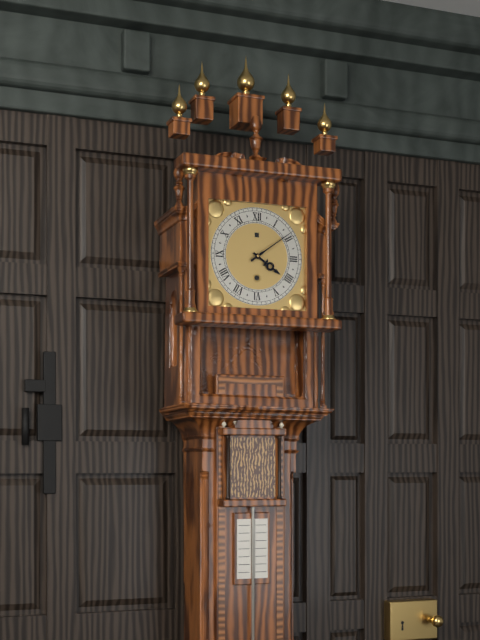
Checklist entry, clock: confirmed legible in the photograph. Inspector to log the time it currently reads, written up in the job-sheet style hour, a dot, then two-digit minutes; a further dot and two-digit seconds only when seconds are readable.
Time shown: 4.09
